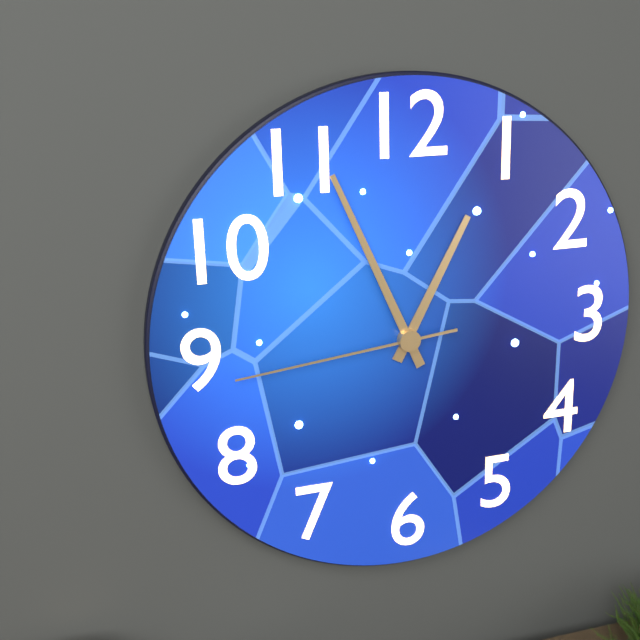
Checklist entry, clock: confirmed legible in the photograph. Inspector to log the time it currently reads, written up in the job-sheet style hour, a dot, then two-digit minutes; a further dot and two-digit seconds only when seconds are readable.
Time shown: 12.56.44
